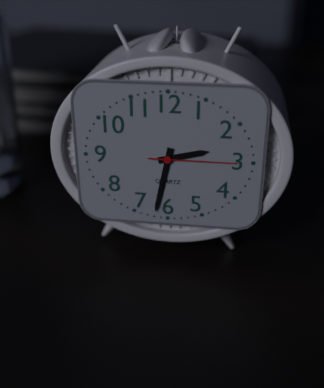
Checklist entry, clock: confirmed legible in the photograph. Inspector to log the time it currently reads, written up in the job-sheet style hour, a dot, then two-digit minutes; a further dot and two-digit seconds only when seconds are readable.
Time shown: 2.32.15
